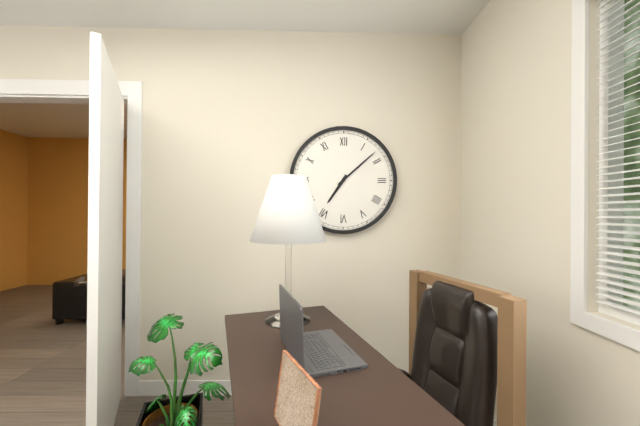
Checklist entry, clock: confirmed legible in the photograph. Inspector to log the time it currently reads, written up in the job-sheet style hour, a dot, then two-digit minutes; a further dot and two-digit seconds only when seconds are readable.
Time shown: 7.08
